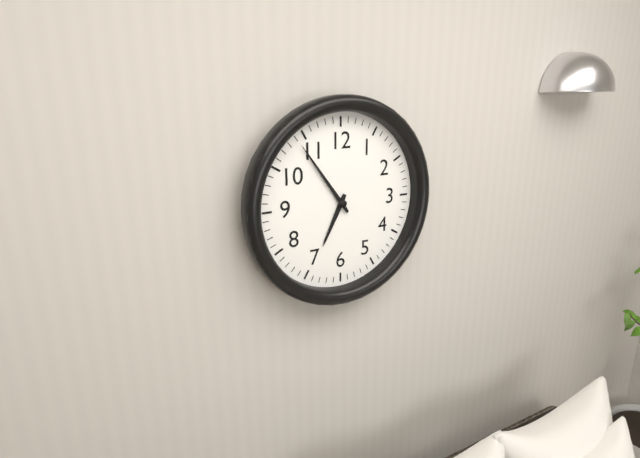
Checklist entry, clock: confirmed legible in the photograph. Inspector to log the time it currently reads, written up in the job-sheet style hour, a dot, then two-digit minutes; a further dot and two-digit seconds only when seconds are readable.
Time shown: 6.54
